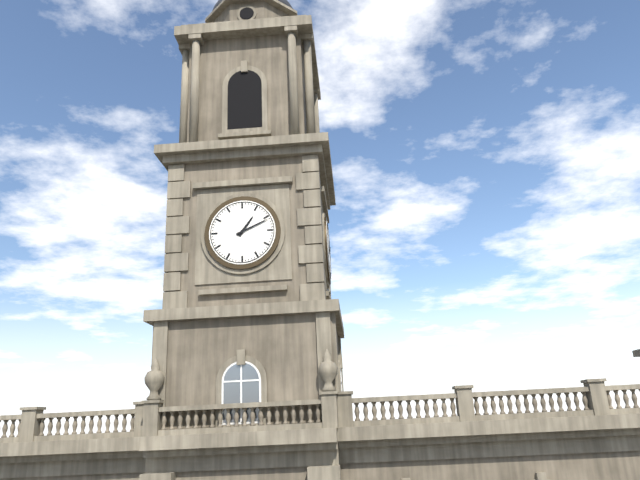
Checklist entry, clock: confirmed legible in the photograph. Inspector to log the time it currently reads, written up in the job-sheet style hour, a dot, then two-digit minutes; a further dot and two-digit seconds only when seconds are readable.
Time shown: 1.11
